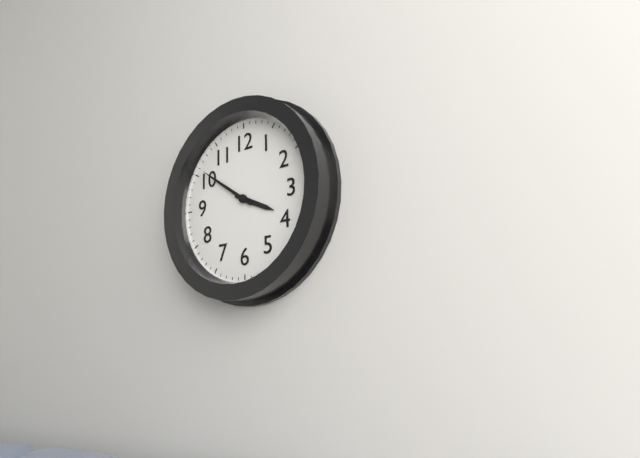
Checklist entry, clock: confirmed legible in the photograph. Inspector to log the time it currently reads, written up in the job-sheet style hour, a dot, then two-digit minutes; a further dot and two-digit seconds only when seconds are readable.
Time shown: 3.51
